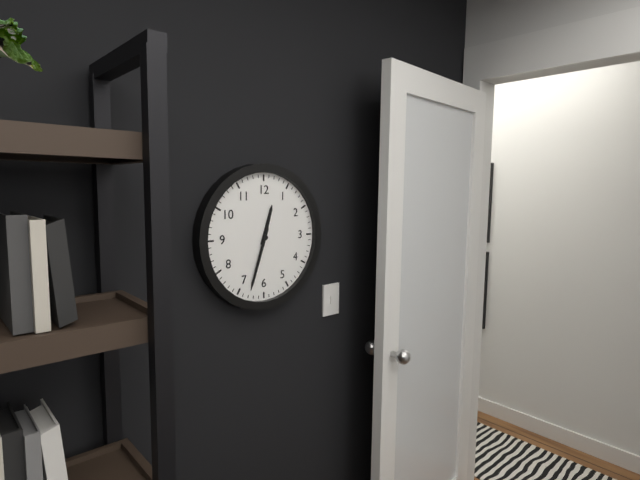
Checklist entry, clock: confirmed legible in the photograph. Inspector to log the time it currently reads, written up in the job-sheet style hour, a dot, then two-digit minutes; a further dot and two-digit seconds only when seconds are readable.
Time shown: 12.33
